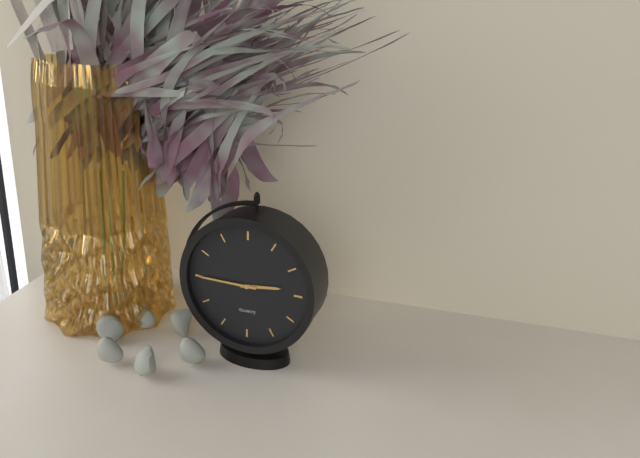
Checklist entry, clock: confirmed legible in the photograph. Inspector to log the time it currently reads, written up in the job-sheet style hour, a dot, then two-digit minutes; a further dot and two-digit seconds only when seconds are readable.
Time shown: 2.45
